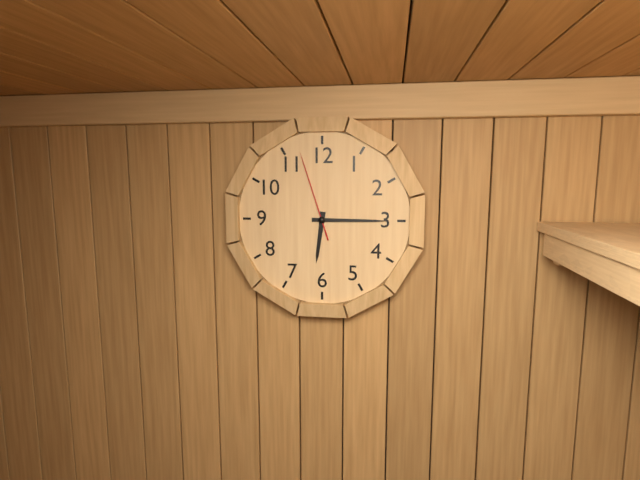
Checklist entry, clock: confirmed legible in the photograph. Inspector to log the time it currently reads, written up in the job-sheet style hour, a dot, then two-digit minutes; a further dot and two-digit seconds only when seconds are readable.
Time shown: 6.15.57
